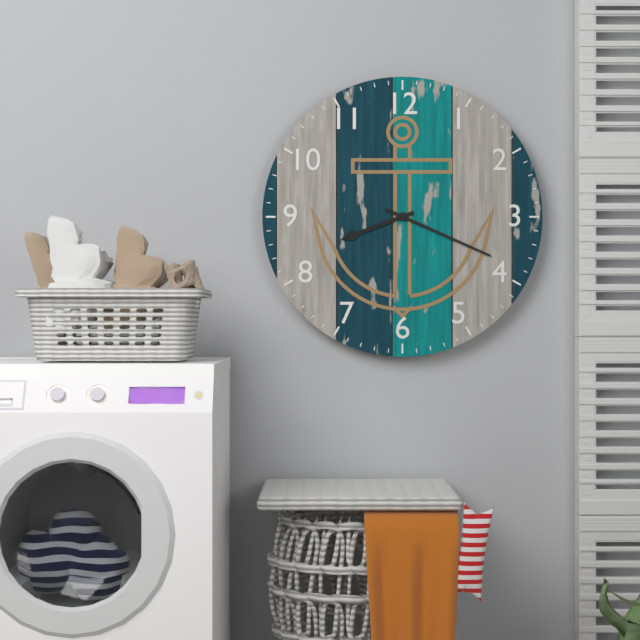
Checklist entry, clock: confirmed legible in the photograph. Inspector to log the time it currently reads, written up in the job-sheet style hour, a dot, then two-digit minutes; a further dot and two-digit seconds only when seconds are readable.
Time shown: 8.19
